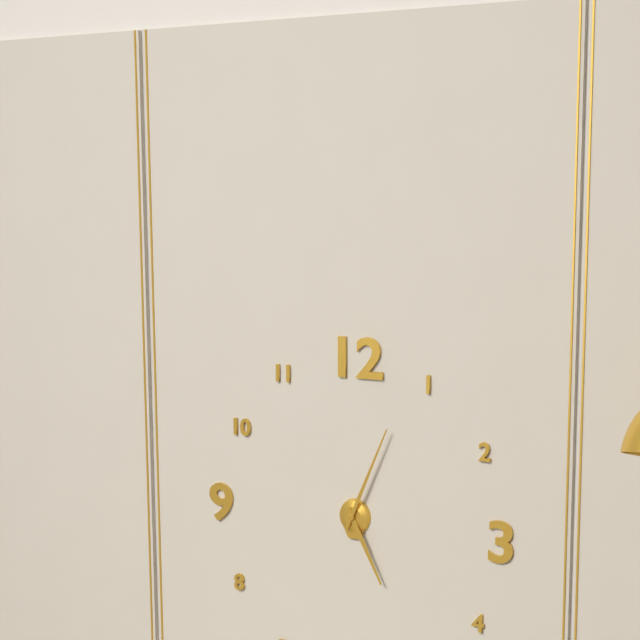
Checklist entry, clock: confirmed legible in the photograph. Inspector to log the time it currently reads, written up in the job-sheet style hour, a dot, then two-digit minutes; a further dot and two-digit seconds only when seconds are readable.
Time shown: 5.04
